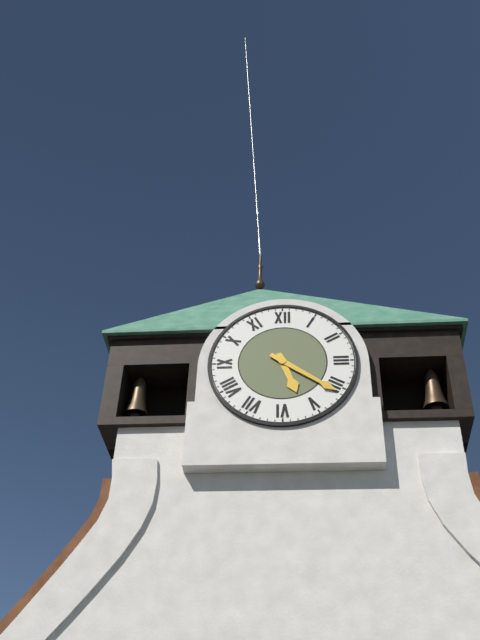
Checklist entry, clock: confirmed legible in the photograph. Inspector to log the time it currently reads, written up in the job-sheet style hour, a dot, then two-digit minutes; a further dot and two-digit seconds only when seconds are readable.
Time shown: 5.21
